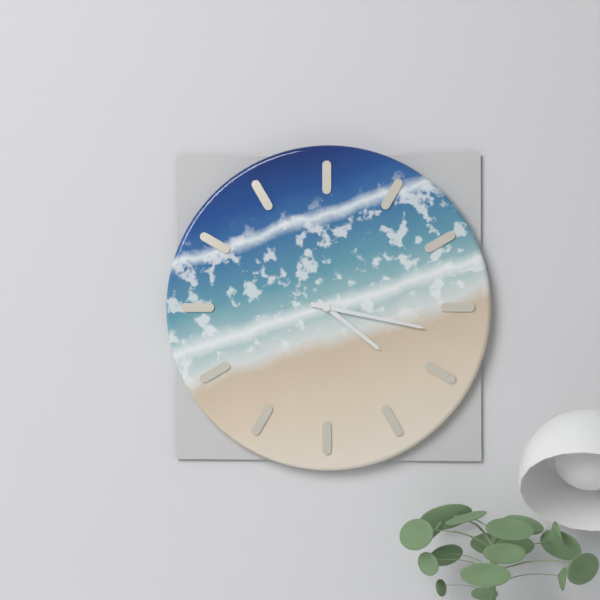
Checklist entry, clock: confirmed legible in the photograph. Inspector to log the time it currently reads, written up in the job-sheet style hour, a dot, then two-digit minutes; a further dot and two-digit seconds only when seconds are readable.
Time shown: 4.17
